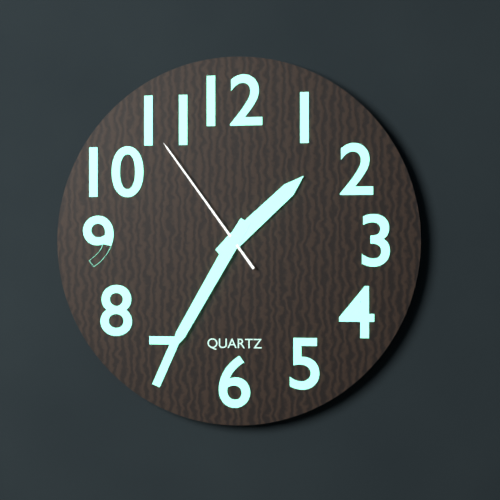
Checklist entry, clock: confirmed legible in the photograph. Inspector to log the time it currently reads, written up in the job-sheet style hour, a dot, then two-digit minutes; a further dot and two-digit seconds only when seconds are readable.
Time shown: 1.35.54
